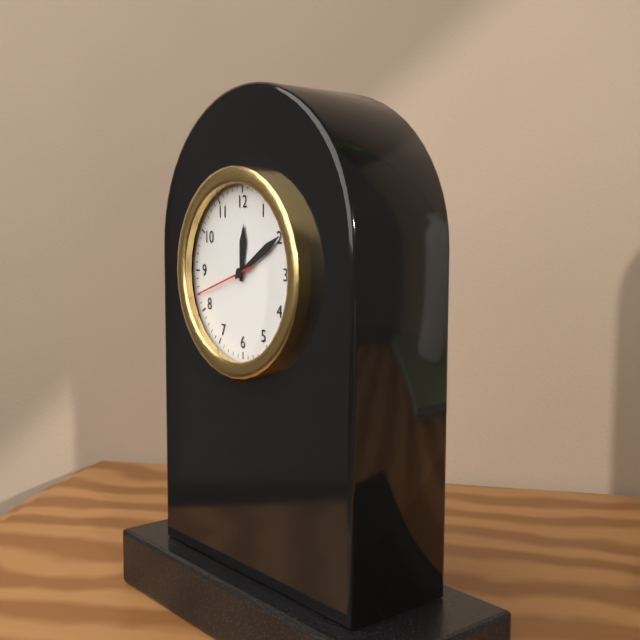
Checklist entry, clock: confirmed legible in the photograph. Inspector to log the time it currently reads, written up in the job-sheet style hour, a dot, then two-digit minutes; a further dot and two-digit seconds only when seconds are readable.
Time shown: 12.10.42
